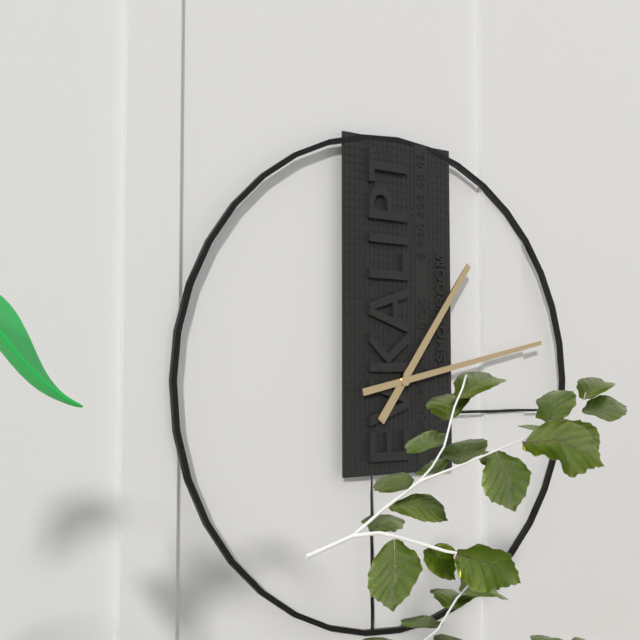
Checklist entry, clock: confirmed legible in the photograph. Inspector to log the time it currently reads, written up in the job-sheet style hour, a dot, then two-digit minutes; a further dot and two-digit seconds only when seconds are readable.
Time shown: 1.13
